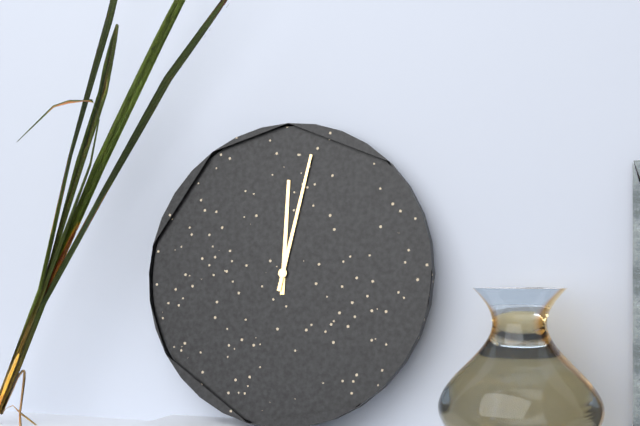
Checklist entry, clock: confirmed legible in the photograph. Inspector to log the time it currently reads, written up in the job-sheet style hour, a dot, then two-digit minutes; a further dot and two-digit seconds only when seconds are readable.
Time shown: 12.02
